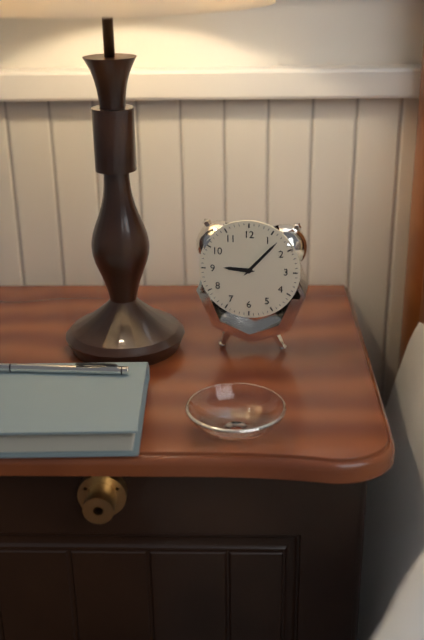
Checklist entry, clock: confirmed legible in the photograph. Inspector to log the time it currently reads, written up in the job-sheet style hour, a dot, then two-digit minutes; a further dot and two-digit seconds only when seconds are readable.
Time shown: 9.07
